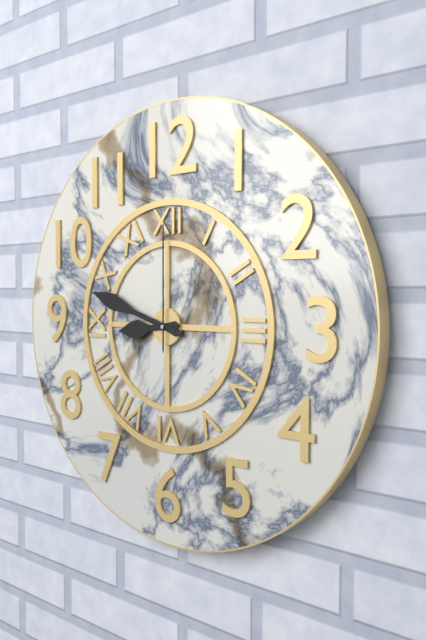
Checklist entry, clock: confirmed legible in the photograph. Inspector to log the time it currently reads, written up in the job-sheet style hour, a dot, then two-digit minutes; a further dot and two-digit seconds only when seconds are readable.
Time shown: 8.48.00
